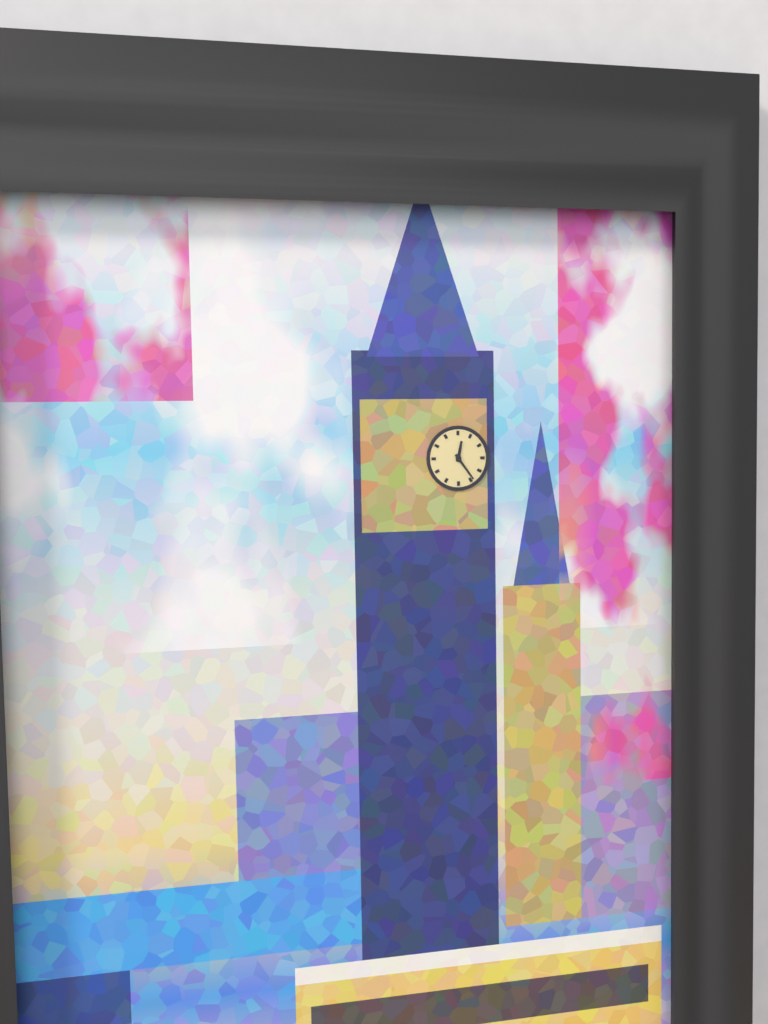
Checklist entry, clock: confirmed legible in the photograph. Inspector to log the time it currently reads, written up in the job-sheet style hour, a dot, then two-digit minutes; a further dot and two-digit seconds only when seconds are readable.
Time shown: 12.24
